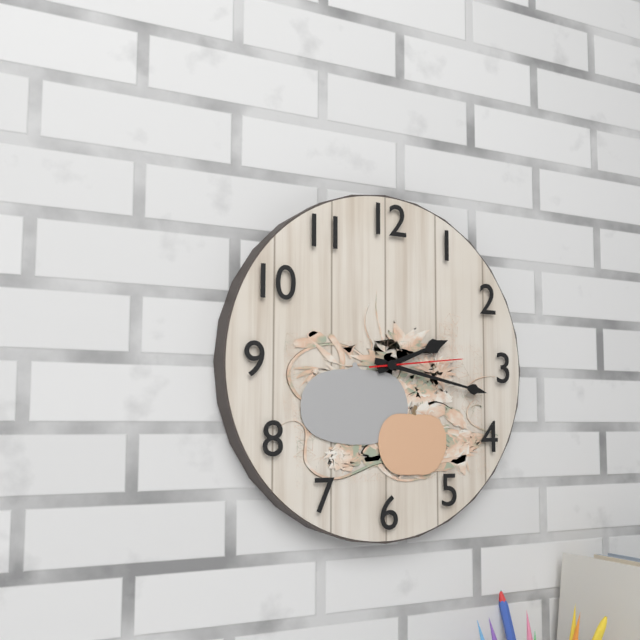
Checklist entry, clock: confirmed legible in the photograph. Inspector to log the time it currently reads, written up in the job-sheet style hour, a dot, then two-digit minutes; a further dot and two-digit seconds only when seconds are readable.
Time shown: 2.17.14
